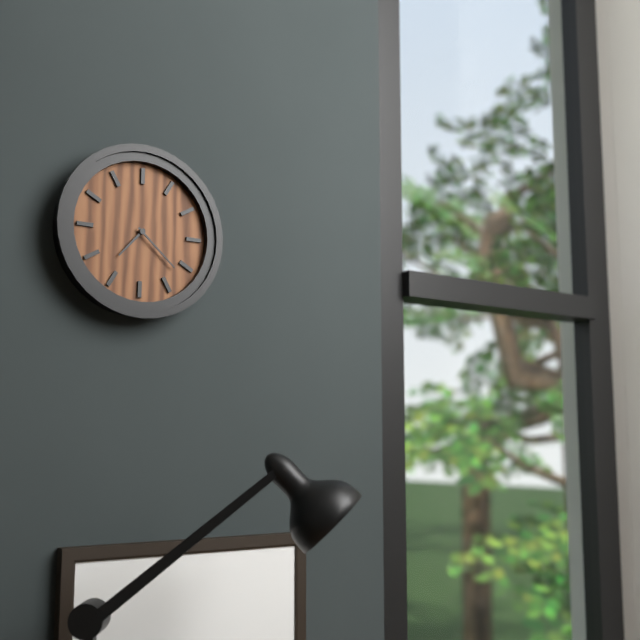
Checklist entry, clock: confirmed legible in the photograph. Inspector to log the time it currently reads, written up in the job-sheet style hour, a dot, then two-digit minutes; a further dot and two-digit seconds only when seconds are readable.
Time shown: 7.22
